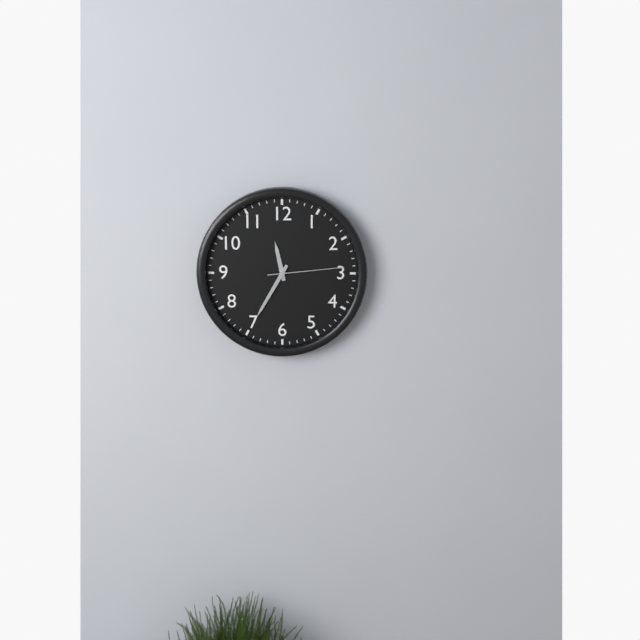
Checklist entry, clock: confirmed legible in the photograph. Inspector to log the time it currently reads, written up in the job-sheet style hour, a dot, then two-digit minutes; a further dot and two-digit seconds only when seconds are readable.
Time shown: 11.35.14
